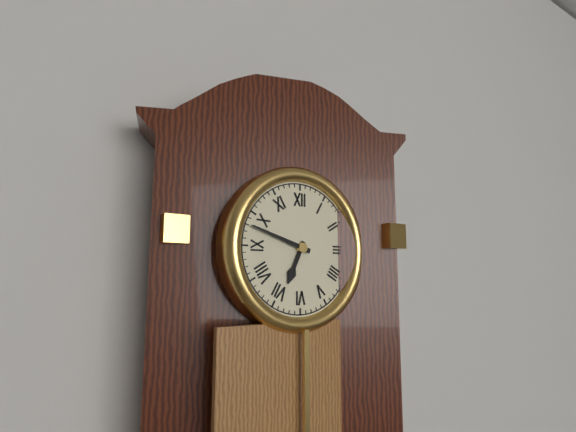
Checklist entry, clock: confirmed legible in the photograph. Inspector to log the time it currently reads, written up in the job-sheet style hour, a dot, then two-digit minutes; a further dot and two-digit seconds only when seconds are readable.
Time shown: 6.48
